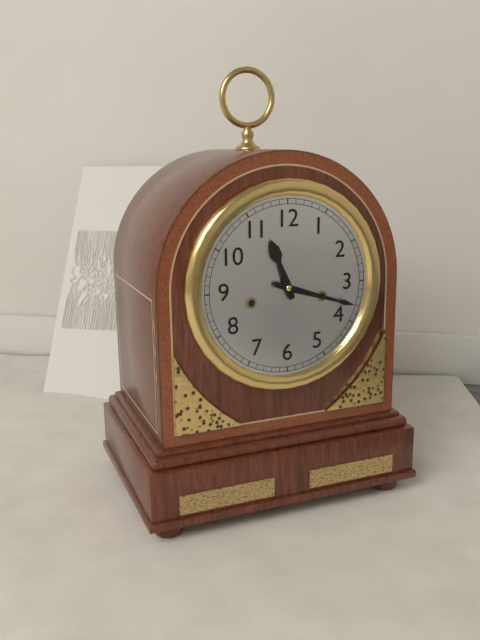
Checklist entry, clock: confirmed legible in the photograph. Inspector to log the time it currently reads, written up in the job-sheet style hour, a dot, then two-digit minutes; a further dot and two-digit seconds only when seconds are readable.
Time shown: 11.18
